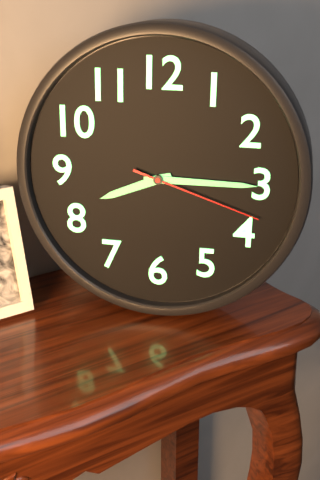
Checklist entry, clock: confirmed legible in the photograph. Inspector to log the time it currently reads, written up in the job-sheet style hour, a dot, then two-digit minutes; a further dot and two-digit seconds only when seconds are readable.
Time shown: 8.15.18
